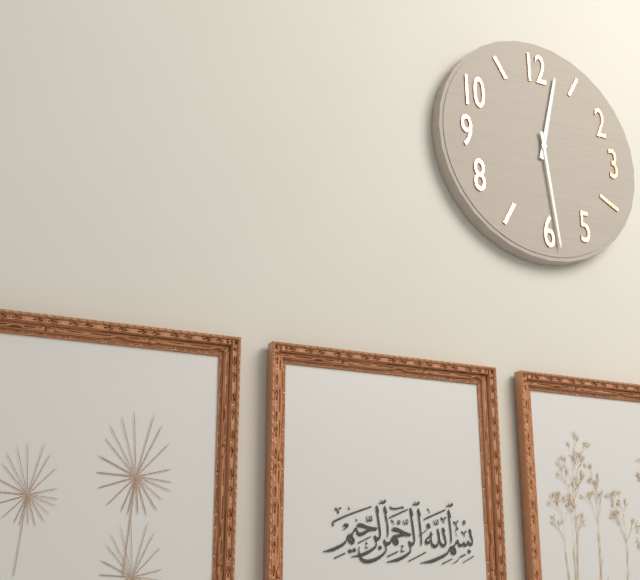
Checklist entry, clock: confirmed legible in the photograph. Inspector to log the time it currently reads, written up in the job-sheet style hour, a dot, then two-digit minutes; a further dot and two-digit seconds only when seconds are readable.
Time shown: 12.29
